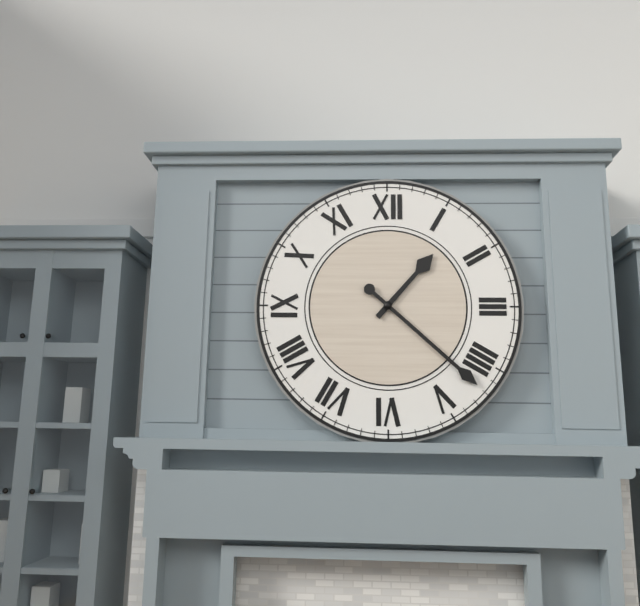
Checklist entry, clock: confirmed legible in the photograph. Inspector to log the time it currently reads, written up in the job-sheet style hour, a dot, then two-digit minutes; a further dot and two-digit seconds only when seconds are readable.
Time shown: 1.22
